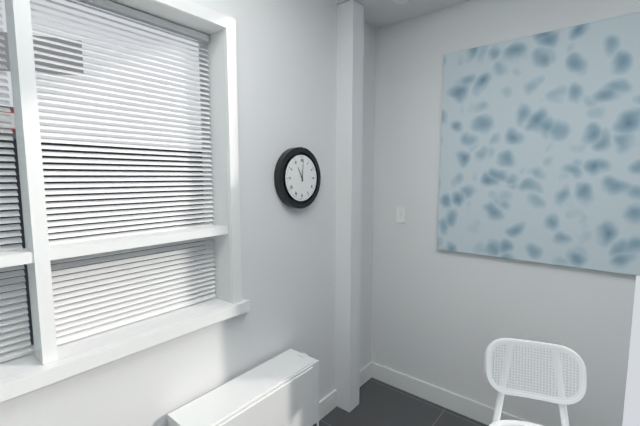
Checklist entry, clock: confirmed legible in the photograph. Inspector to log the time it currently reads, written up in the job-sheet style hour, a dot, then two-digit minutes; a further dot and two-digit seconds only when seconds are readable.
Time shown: 11.01
